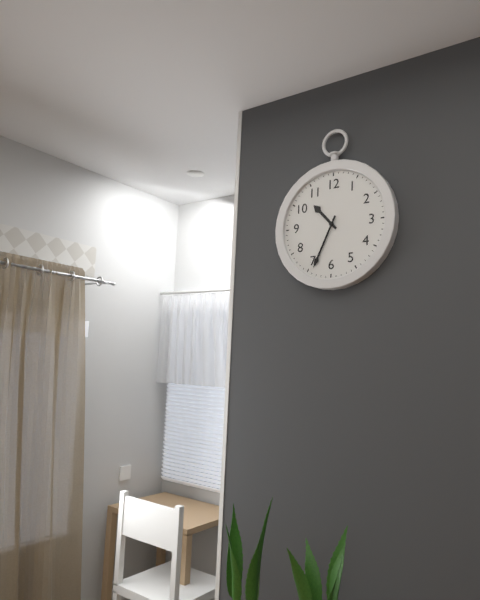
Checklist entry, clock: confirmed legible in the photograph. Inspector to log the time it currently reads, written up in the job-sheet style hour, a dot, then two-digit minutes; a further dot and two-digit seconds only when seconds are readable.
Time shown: 10.34
